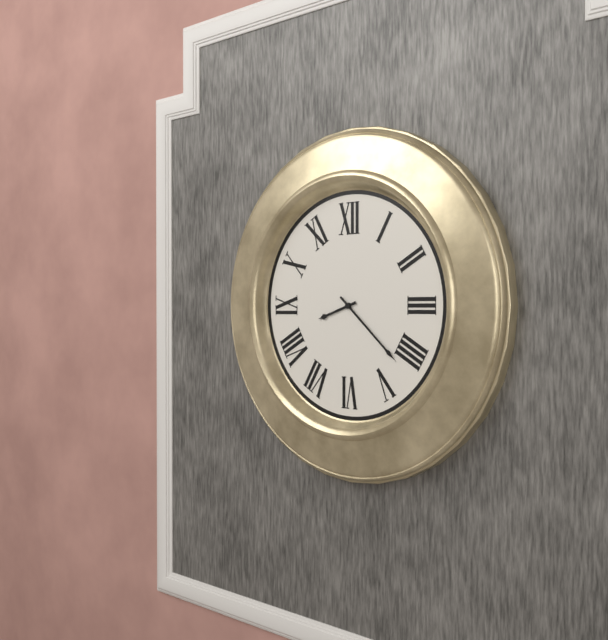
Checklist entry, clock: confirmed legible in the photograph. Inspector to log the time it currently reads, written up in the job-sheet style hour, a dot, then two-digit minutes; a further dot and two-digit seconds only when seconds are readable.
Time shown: 8.22
